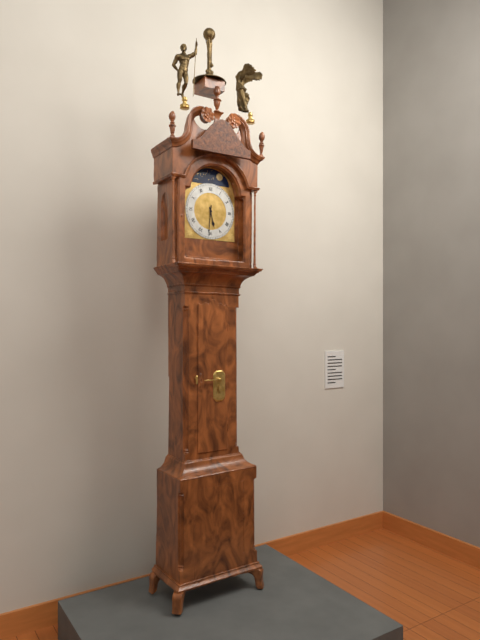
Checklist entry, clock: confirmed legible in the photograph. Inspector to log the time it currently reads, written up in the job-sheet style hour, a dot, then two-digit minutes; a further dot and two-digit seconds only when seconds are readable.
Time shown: 5.31
